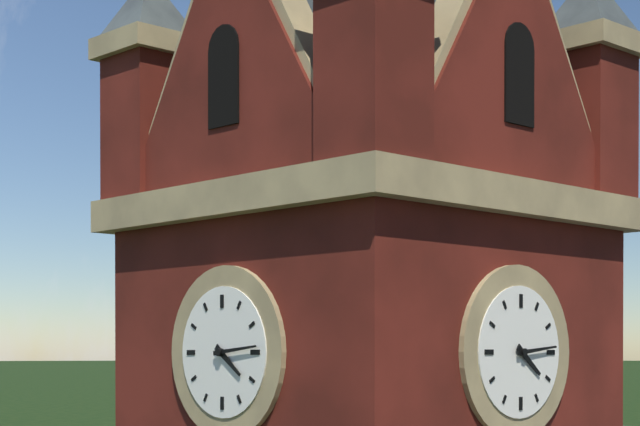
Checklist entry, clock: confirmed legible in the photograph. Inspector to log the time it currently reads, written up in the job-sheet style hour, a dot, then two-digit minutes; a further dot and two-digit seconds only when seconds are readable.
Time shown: 4.14
